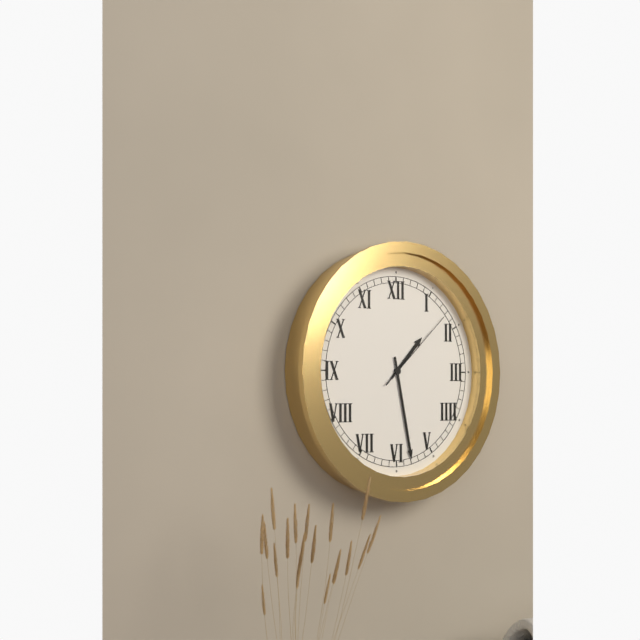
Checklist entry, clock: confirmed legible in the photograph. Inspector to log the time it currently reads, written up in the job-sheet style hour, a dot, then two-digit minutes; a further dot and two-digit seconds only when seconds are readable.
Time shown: 1.28.08
